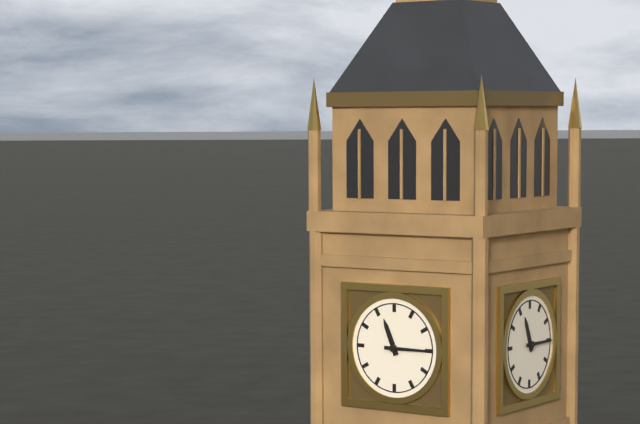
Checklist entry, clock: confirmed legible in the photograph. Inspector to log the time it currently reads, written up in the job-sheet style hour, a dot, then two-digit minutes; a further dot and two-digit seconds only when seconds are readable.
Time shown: 11.15
